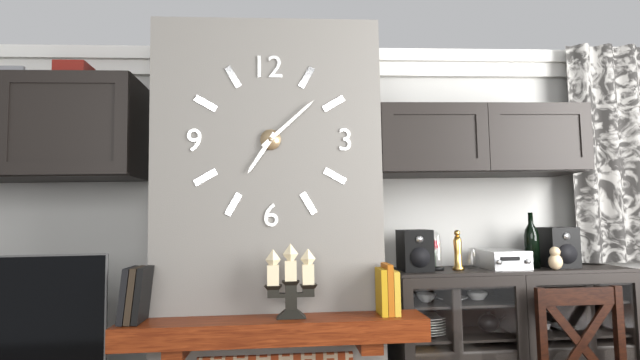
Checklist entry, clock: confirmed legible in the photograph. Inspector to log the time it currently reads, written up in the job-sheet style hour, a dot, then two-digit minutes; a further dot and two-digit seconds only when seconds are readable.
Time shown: 7.08
